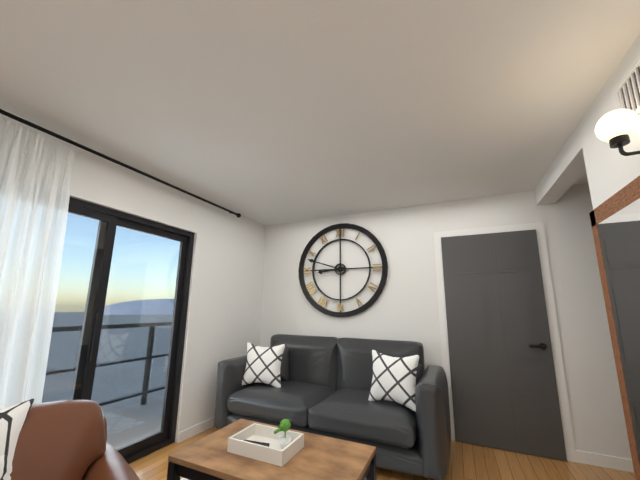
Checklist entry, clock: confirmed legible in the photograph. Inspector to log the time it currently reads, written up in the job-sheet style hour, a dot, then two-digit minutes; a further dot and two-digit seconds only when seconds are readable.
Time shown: 8.48
